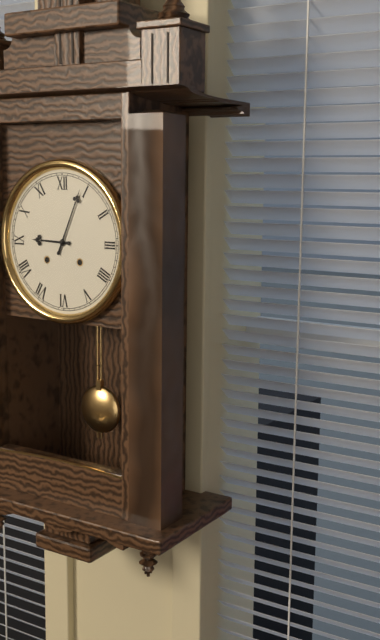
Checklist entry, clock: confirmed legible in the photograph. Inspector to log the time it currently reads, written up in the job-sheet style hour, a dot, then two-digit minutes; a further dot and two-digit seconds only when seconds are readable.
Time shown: 9.04
